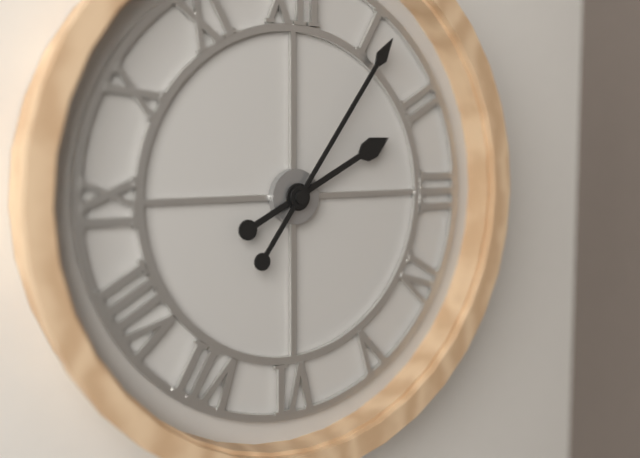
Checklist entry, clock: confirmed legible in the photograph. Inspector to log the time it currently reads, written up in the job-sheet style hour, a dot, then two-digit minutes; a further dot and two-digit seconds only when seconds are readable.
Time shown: 2.06
